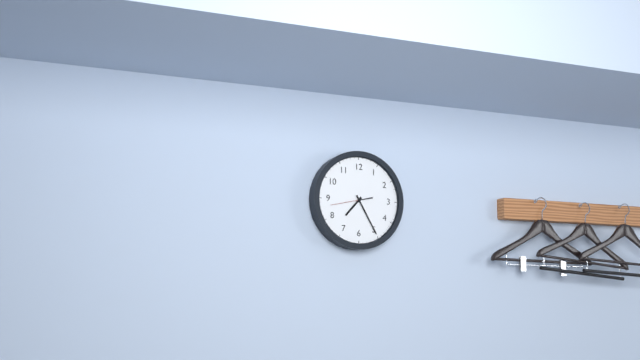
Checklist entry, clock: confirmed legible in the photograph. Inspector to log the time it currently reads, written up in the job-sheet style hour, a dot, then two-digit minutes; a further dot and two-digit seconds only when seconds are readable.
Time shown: 7.25
